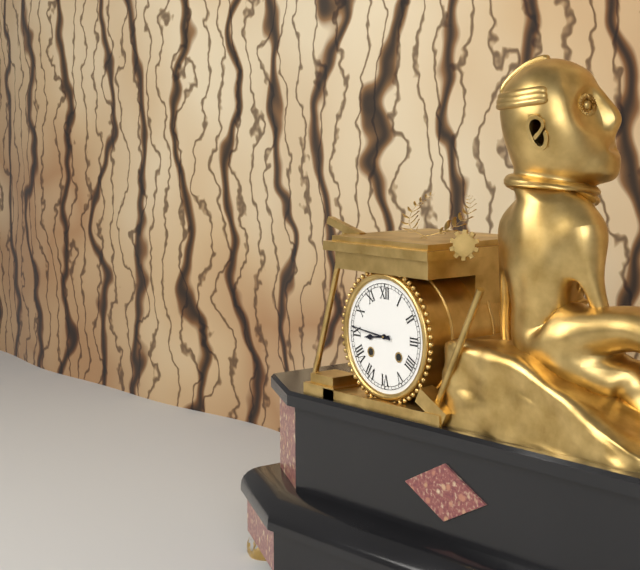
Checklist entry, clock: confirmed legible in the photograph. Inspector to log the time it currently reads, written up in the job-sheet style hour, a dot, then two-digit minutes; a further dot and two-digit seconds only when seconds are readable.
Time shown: 8.46
